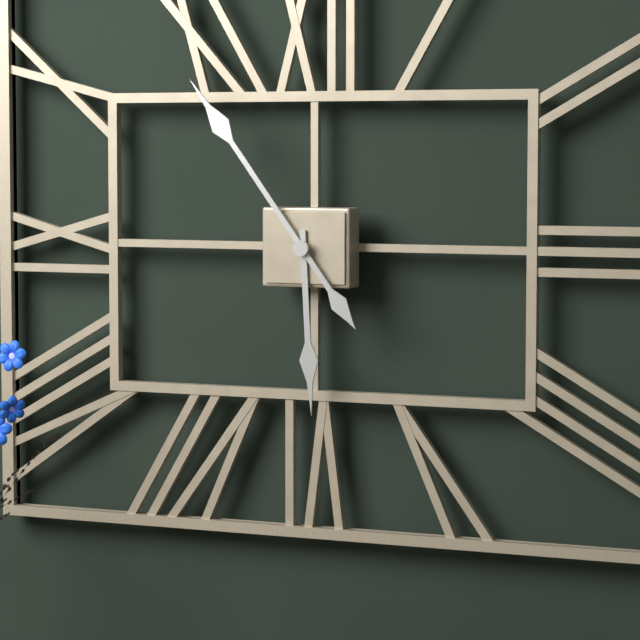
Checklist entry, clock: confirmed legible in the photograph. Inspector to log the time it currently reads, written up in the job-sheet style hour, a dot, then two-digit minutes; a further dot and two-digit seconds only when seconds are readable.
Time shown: 5.54
